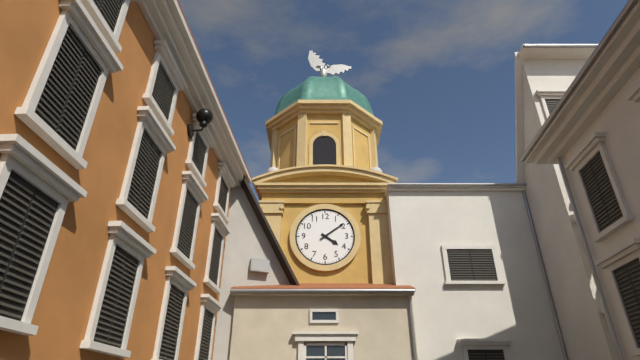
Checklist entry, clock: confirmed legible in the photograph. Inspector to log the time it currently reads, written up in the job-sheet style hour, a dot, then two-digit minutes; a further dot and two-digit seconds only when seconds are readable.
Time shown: 4.09
